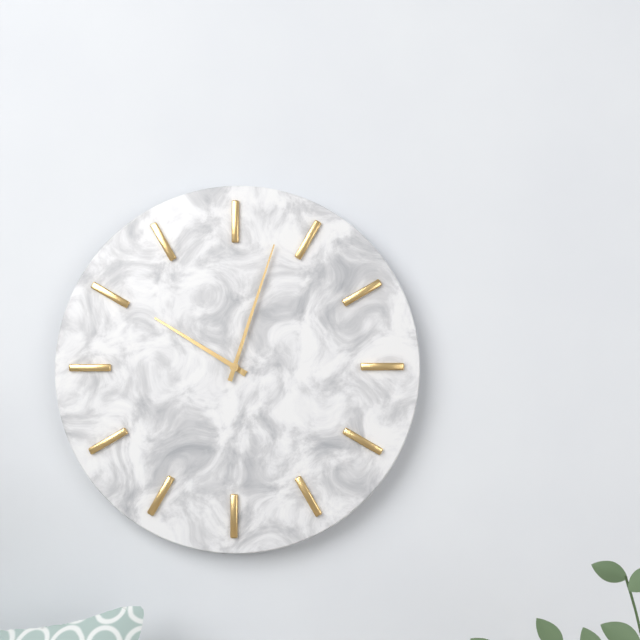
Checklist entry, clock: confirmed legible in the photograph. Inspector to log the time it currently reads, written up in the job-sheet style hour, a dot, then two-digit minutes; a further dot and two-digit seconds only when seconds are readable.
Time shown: 10.03
